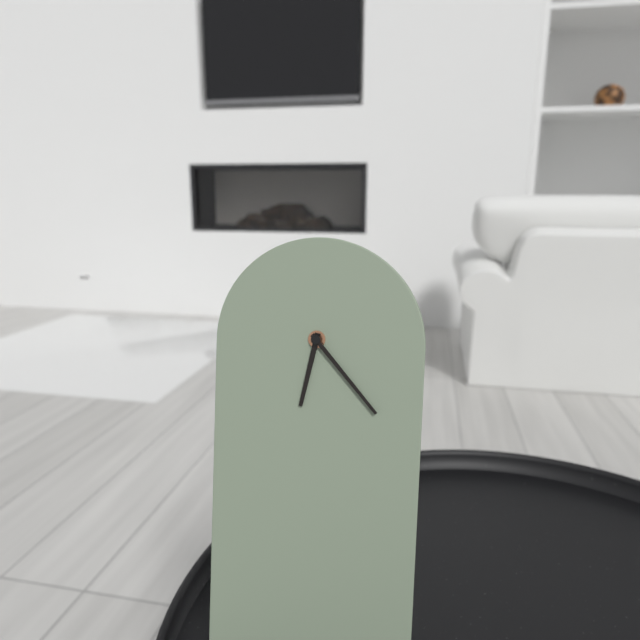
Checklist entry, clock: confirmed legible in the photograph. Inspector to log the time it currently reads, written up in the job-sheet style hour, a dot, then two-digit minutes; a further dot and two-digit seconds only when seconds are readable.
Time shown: 6.23
